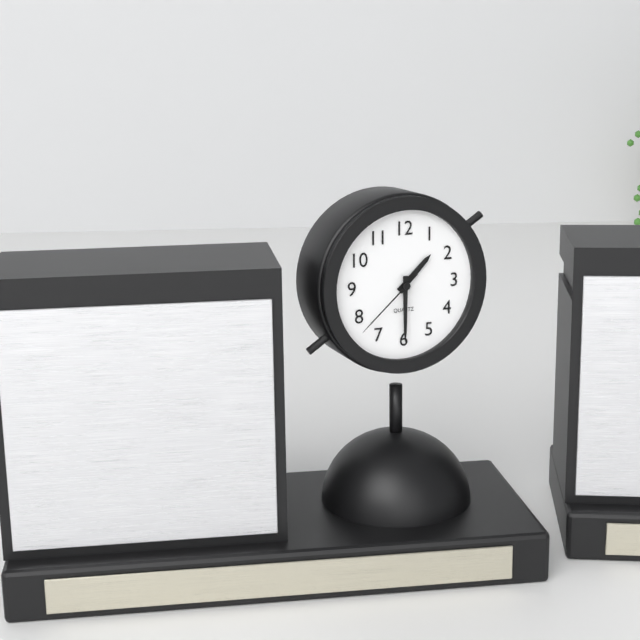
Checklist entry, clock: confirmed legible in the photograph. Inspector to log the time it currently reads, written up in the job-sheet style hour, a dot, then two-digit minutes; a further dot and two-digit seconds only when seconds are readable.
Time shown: 1.30.38
